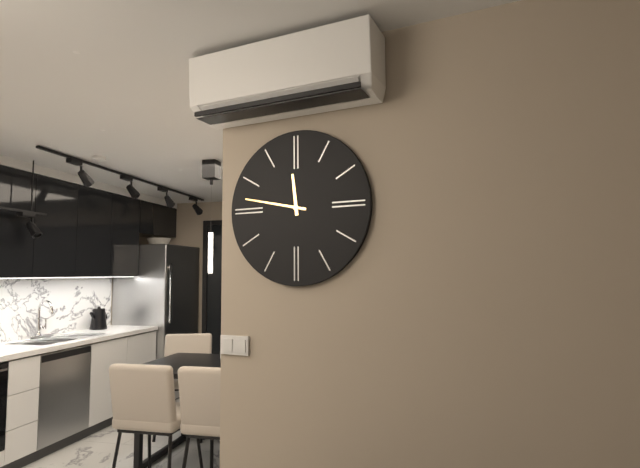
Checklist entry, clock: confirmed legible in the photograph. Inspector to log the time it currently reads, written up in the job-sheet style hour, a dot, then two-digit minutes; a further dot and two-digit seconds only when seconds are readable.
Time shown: 11.47
